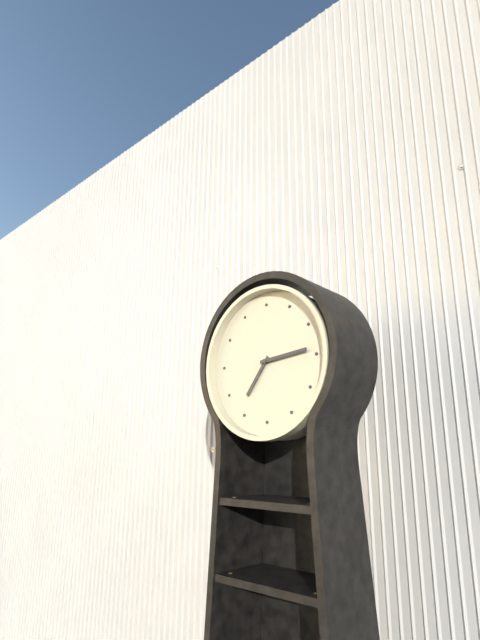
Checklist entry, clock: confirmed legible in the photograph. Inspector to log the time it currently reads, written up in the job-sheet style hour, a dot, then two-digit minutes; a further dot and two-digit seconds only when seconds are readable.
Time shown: 7.14
